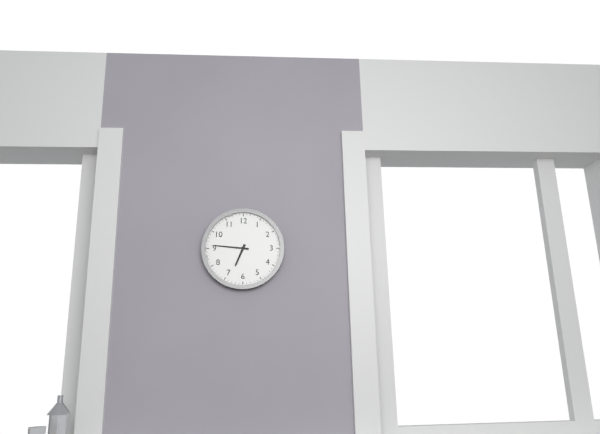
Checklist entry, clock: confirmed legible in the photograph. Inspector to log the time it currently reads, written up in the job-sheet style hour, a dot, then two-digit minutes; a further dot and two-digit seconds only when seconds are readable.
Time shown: 6.46
